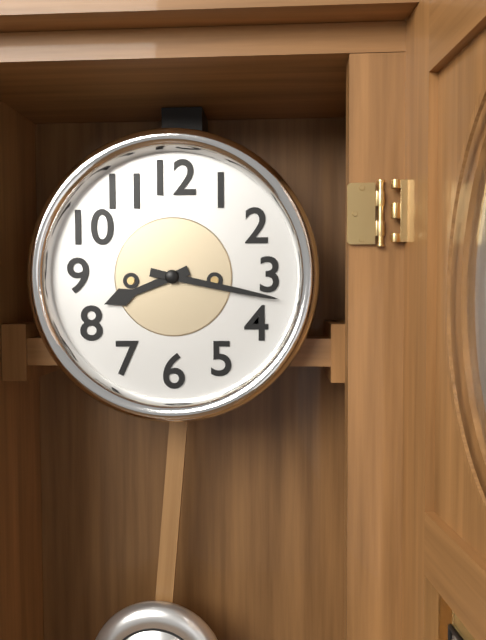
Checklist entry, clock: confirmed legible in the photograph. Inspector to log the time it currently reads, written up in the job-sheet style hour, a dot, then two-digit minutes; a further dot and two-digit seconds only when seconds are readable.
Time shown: 8.17
